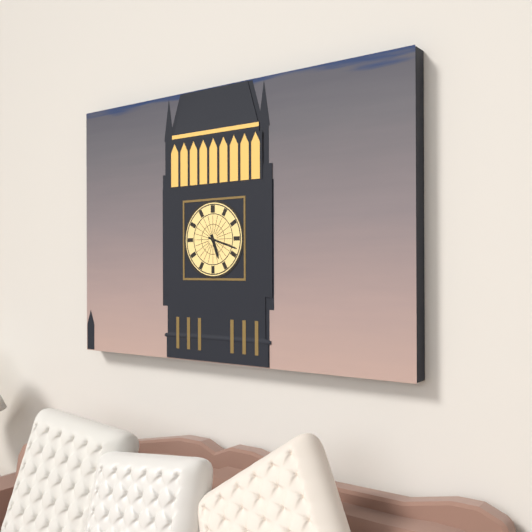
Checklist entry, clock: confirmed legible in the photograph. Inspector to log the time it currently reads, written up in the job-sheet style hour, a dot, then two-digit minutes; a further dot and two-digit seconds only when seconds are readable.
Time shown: 5.18
